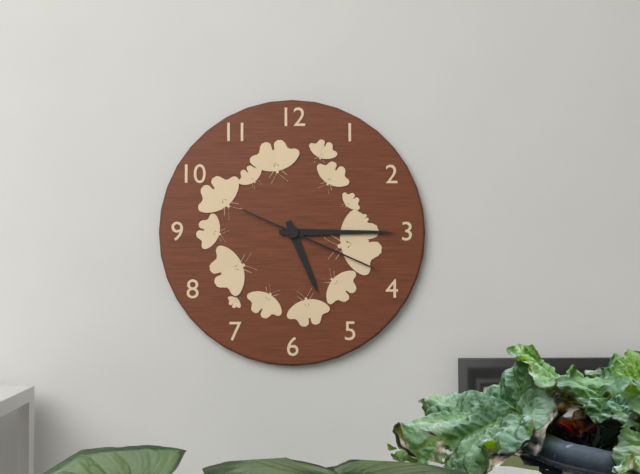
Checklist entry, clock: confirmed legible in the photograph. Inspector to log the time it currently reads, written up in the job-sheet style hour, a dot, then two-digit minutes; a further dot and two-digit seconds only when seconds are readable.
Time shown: 5.15.19
